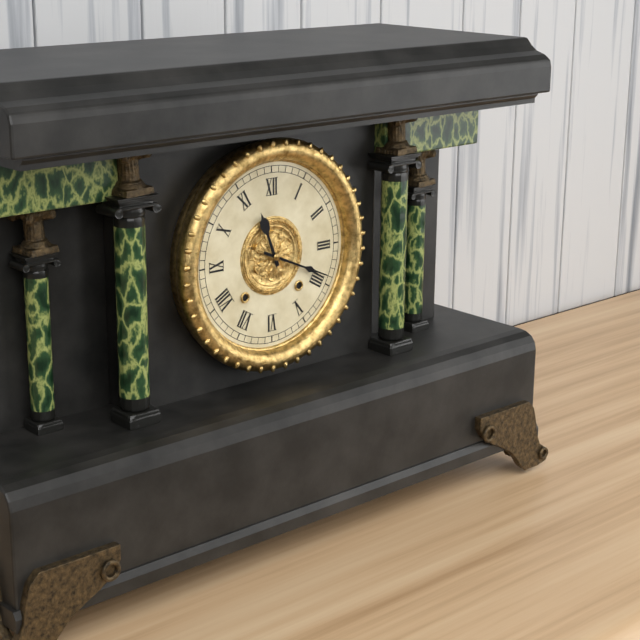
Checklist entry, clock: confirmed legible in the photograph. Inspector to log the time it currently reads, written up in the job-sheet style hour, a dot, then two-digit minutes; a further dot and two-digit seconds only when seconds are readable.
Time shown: 11.19
